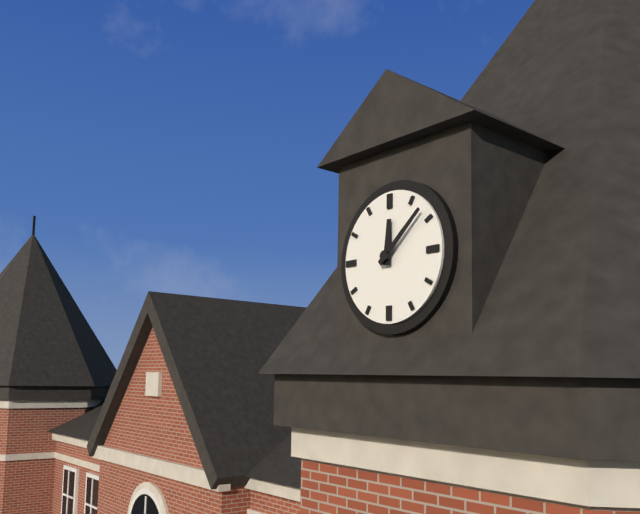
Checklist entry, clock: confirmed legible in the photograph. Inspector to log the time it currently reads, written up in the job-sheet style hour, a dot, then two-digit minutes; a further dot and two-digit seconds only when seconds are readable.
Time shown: 12.08
